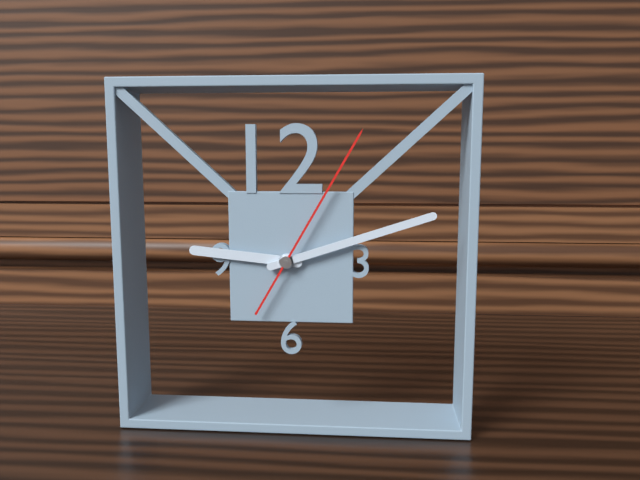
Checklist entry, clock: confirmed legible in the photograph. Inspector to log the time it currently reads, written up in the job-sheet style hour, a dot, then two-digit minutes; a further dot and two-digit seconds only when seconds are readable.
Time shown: 9.12.05
